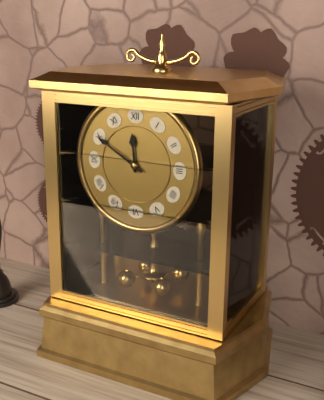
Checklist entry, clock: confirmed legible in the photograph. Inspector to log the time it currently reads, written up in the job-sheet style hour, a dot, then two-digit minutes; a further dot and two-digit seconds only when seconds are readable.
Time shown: 11.50
